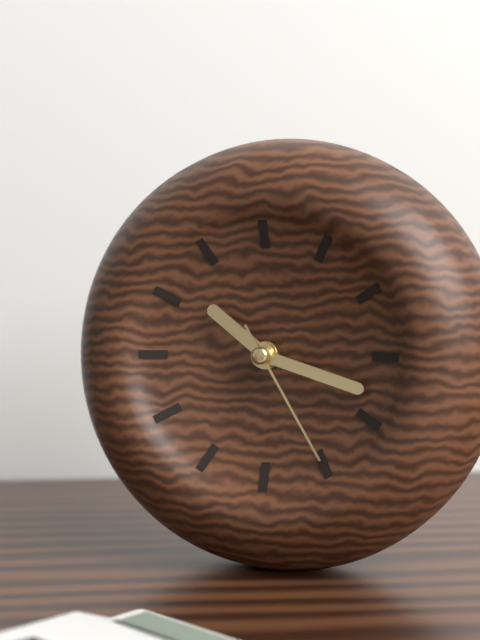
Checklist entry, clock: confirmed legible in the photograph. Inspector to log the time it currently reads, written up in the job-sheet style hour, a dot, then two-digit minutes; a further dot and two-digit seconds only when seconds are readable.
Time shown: 10.18.25
